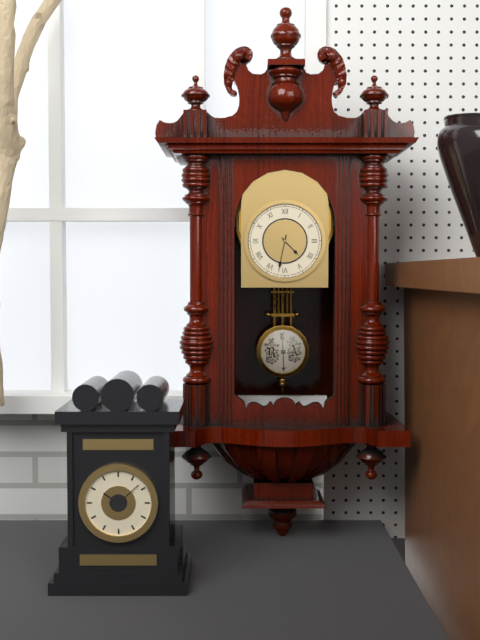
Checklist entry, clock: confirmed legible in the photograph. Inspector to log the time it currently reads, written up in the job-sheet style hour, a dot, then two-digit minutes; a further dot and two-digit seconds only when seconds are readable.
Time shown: 4.32
